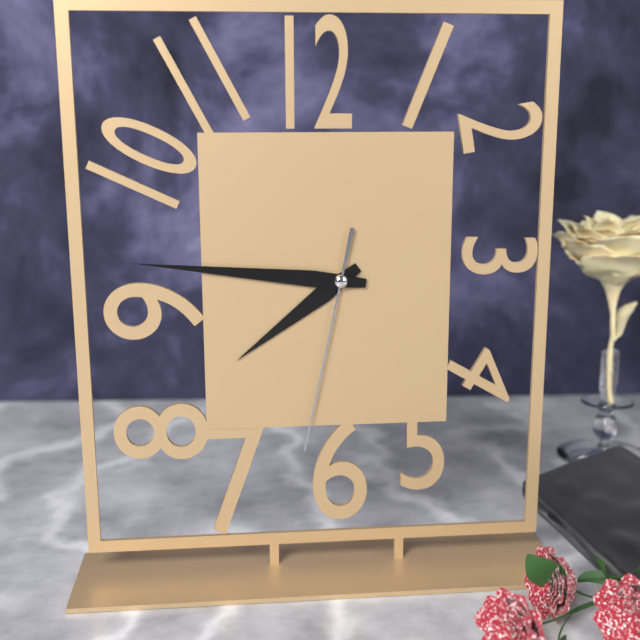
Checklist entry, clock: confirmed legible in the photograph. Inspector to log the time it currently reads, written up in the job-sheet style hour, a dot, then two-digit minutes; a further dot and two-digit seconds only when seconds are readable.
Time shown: 7.46.32
